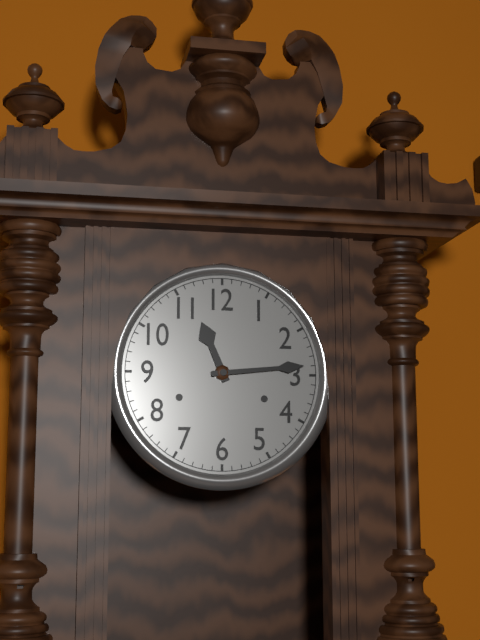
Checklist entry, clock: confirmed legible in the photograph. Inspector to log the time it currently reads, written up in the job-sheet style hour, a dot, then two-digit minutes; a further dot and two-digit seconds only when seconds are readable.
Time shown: 11.14
